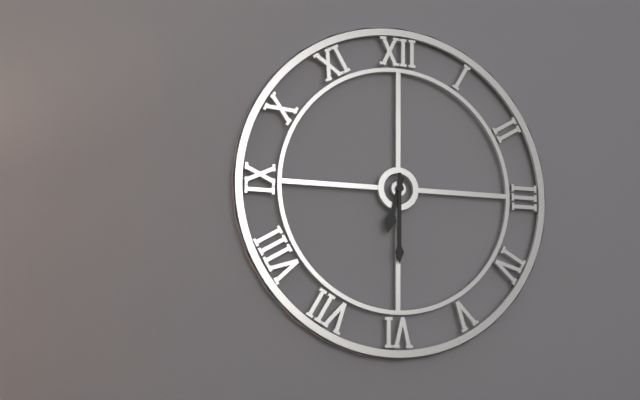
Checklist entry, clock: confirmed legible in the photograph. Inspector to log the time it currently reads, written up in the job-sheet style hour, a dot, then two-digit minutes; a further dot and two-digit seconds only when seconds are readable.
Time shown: 6.30
